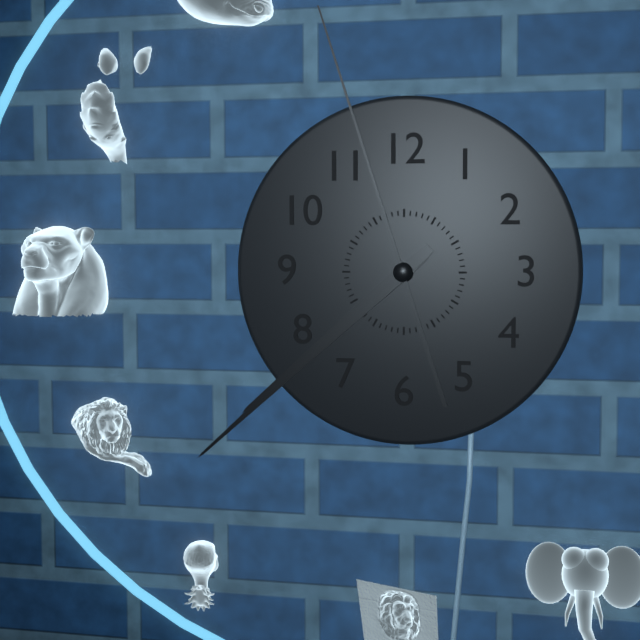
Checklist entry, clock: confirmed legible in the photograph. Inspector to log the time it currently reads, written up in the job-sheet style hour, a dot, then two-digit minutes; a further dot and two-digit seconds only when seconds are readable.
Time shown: 7.38.57
